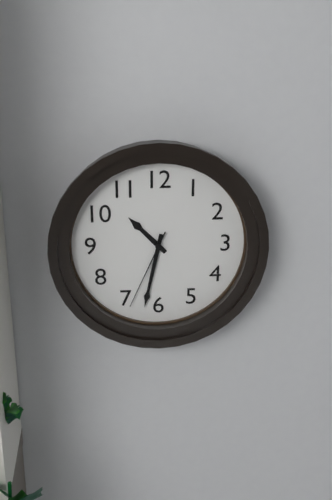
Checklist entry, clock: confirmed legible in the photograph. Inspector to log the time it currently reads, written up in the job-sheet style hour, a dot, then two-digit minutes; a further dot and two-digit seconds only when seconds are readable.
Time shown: 10.32.34
